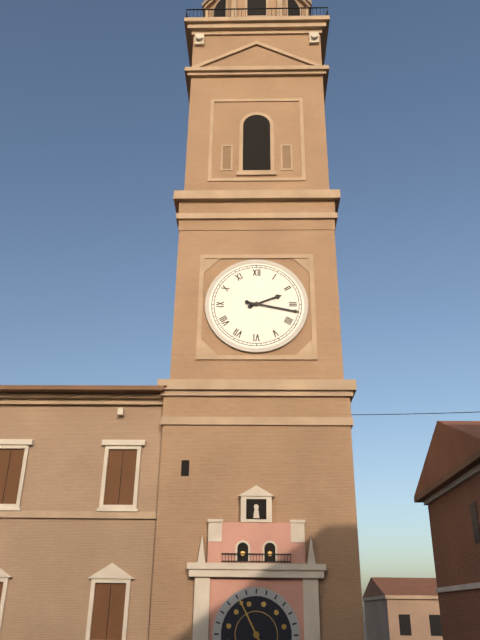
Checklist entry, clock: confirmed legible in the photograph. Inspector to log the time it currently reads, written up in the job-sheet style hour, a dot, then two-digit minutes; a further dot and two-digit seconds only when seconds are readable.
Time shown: 2.17
